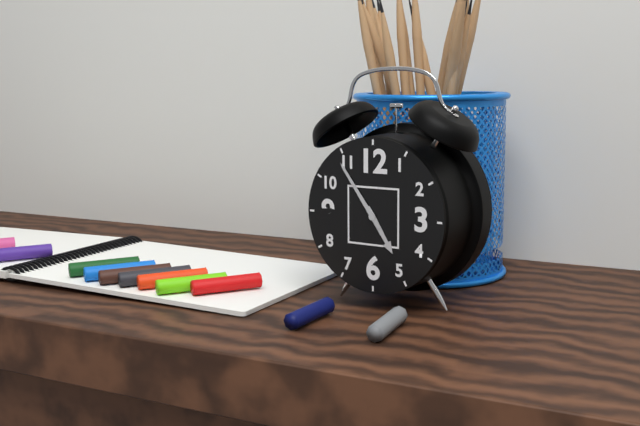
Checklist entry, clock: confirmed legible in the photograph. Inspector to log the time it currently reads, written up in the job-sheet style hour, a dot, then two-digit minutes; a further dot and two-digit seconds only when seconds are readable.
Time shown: 4.54
